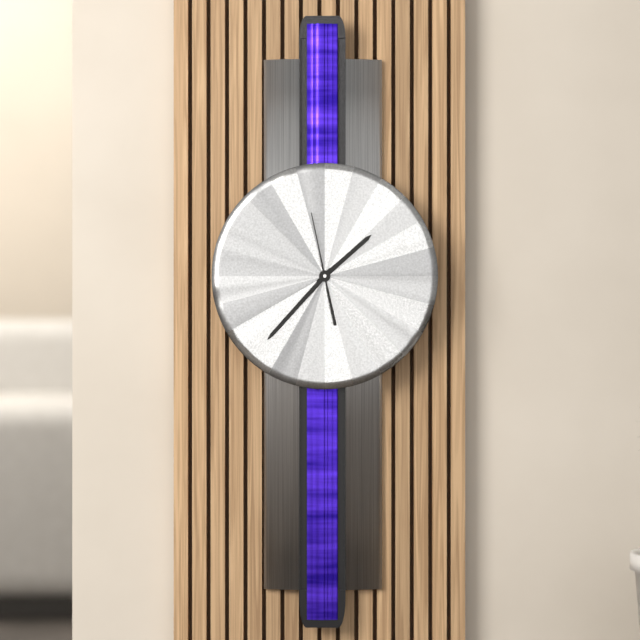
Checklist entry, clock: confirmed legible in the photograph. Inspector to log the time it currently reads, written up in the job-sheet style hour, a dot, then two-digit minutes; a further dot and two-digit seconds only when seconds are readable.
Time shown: 1.37.58
